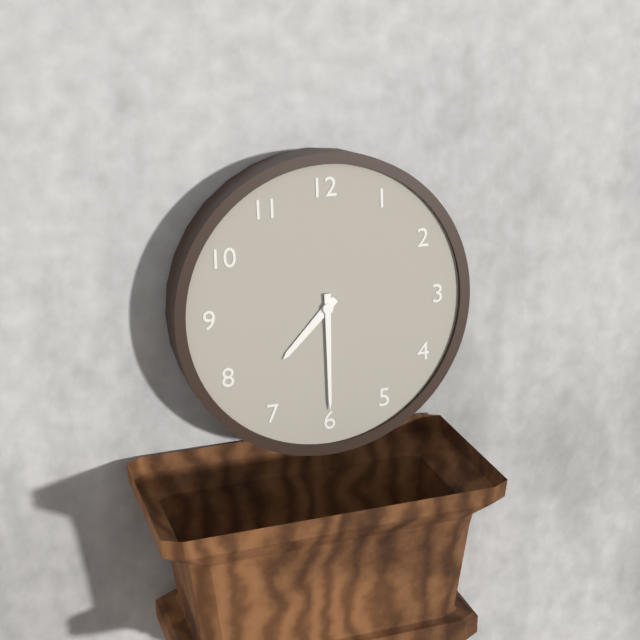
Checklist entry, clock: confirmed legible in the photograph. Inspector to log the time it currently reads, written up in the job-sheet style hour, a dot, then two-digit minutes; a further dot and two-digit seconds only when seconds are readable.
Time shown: 7.30
